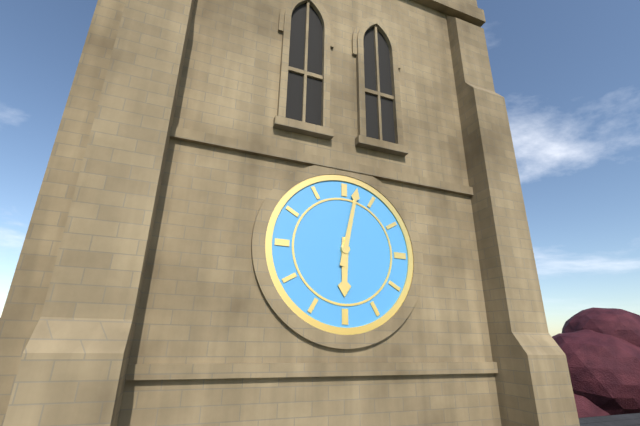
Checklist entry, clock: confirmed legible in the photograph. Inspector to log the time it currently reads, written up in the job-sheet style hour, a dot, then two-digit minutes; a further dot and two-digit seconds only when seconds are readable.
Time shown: 6.02
